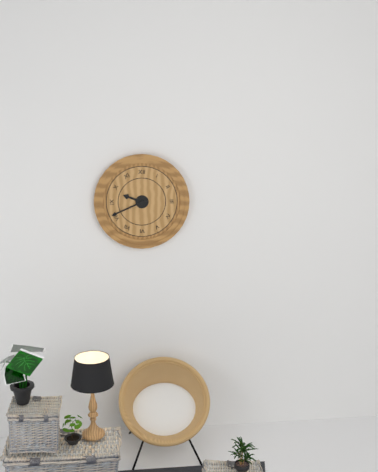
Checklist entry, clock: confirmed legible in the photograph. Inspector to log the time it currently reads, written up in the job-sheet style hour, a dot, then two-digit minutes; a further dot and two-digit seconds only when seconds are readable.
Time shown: 9.41
